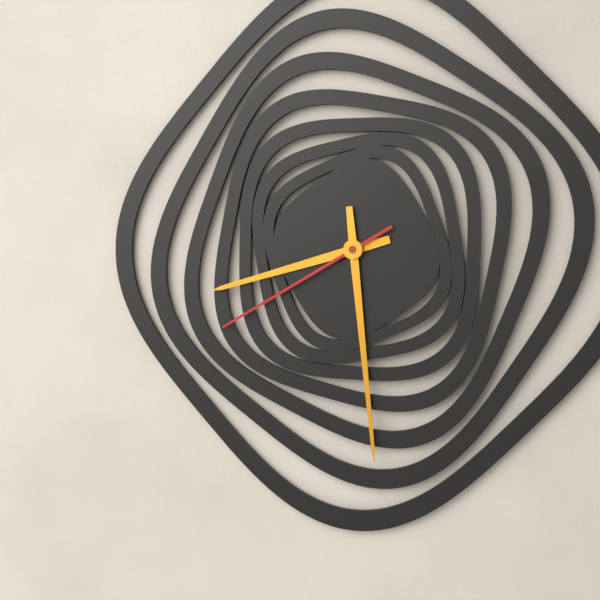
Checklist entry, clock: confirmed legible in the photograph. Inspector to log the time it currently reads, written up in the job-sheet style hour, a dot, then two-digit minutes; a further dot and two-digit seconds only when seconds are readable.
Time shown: 8.29.40
